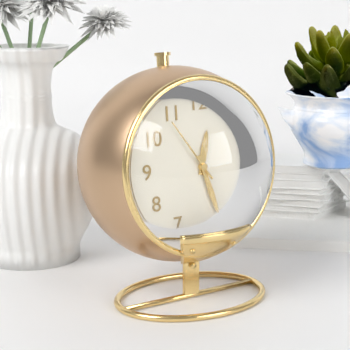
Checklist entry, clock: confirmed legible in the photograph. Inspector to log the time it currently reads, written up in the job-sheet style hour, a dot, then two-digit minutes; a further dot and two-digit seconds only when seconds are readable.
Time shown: 12.27.54
